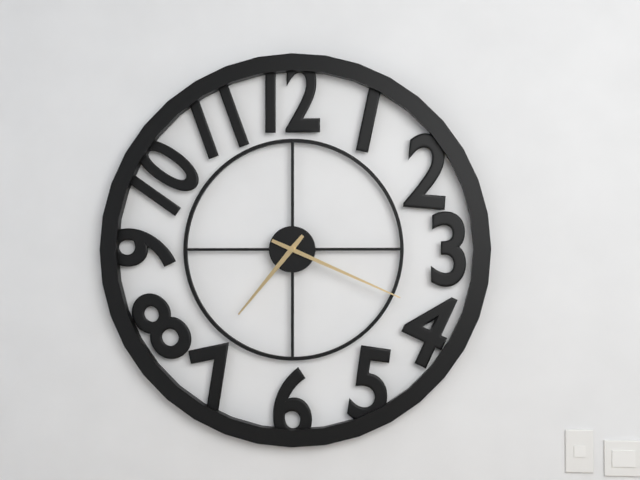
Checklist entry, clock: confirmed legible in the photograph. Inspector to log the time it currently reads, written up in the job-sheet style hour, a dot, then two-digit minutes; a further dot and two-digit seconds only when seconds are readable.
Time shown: 7.19
